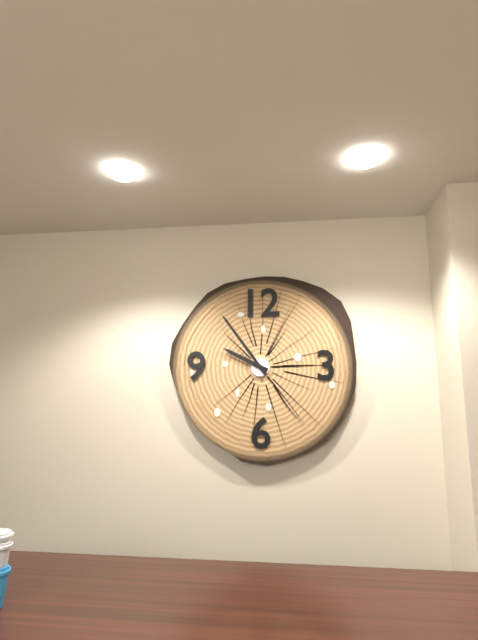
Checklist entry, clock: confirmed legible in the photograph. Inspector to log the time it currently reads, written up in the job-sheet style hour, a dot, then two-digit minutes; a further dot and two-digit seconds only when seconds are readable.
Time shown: 9.54
